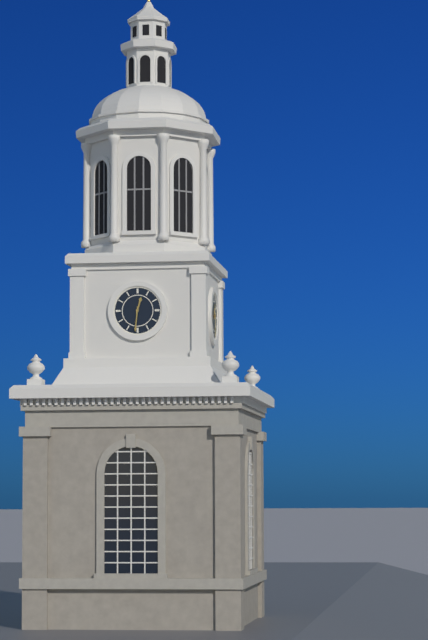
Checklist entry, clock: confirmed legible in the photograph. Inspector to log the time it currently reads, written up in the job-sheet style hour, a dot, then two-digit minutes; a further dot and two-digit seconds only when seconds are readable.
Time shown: 12.31
